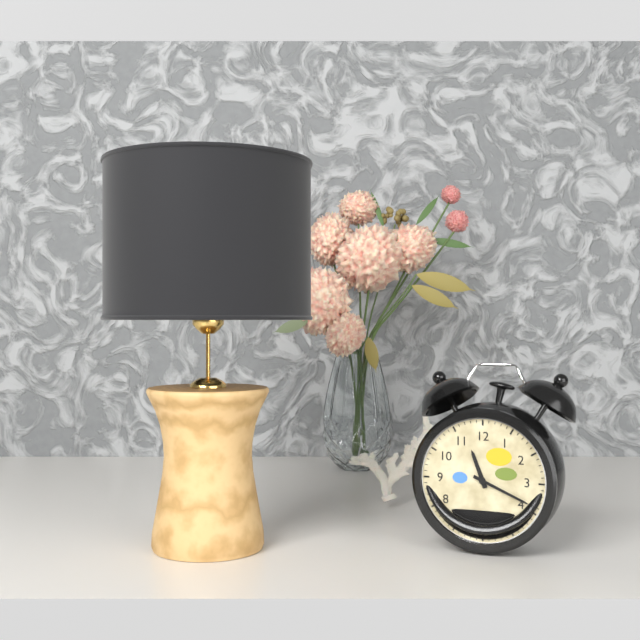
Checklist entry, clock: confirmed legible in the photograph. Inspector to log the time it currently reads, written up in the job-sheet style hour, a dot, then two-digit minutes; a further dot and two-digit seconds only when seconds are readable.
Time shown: 11.19
